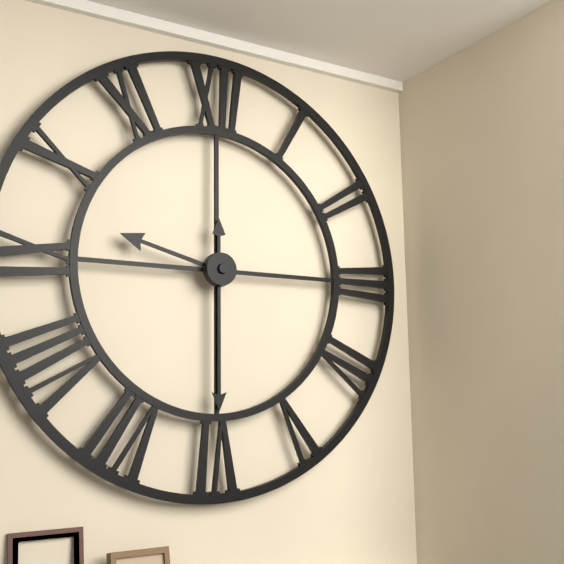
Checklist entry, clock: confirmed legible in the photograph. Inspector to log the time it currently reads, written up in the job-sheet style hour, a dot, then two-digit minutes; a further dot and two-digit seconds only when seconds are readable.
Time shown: 9.30
